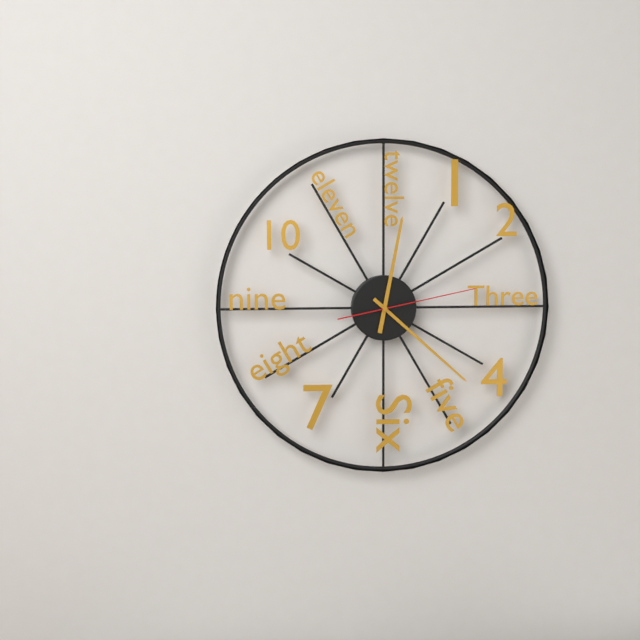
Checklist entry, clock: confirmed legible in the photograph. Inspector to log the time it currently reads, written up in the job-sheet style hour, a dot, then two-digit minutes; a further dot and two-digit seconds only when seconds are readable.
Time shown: 12.22.13
